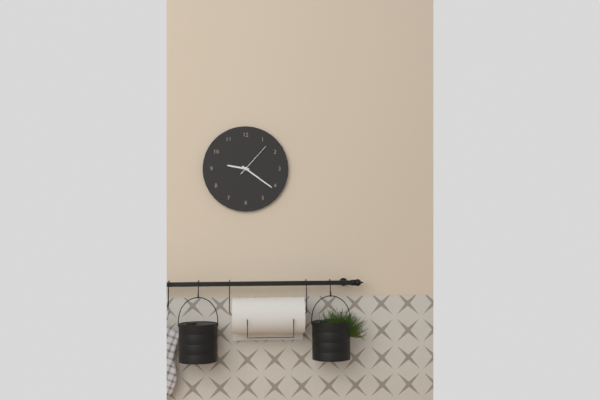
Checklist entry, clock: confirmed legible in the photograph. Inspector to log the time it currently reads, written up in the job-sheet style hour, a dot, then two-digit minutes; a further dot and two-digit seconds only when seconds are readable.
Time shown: 9.21
